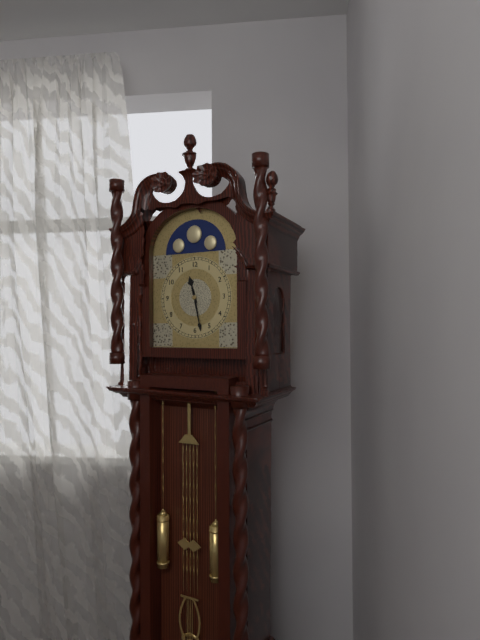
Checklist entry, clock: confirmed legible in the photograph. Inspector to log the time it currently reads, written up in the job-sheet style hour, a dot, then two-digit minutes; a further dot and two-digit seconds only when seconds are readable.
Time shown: 11.28
